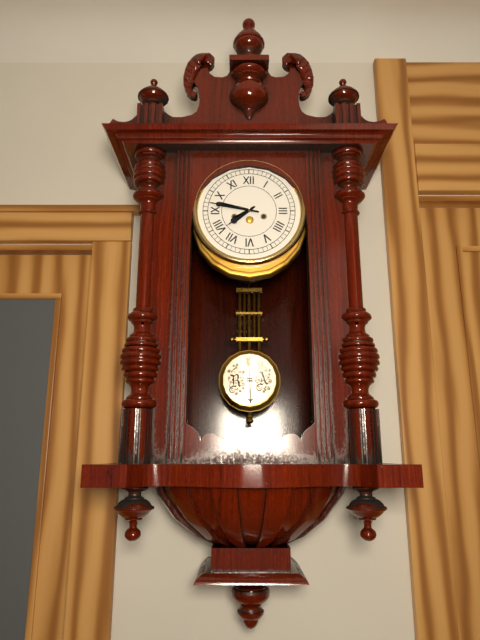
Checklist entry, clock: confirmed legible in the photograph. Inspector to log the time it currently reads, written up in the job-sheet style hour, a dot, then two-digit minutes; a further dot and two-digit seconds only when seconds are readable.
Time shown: 7.47
